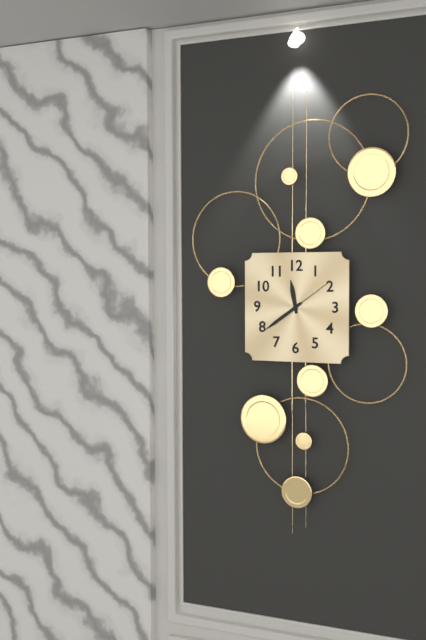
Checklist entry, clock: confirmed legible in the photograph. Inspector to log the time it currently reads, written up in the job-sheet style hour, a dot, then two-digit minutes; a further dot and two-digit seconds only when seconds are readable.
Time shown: 11.39.09
